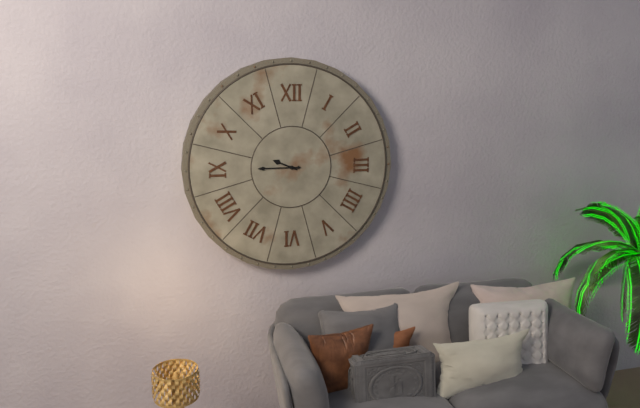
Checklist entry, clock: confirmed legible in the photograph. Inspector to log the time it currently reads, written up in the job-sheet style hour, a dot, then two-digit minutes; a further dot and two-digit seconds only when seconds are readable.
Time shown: 9.45
